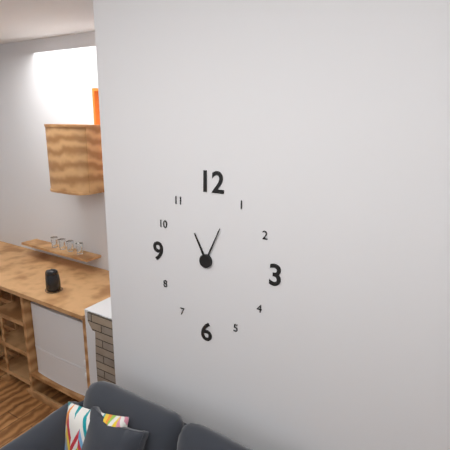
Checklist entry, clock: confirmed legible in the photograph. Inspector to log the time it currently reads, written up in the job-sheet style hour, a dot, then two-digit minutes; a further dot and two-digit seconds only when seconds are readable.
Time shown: 11.04
